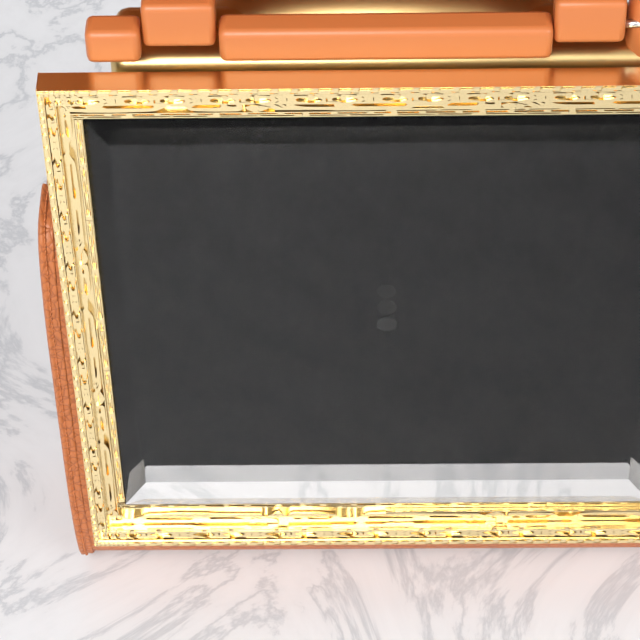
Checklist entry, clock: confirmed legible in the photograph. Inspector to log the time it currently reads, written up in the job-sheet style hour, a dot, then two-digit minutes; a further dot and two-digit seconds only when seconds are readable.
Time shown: 3.33
